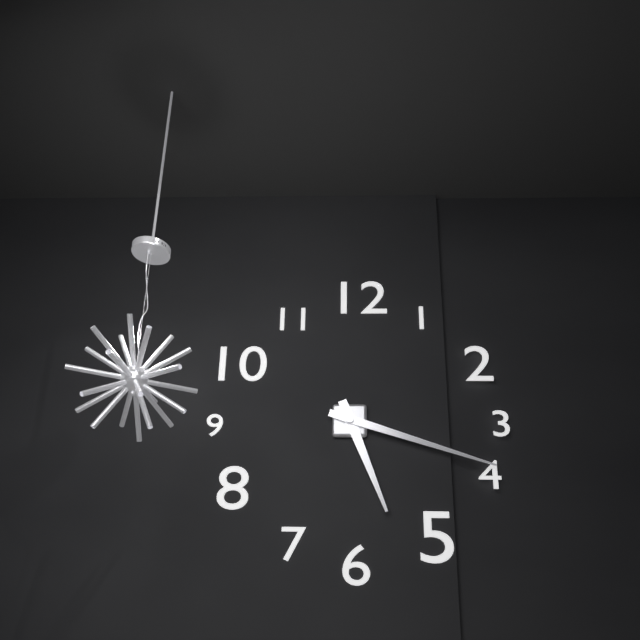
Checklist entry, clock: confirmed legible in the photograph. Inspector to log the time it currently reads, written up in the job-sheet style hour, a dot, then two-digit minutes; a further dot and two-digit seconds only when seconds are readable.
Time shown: 5.18
